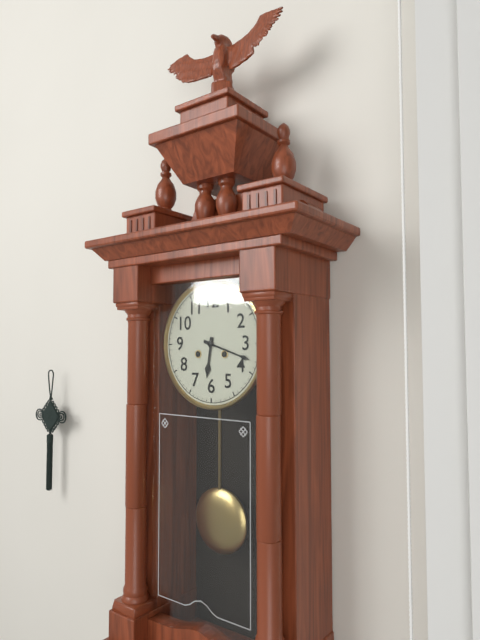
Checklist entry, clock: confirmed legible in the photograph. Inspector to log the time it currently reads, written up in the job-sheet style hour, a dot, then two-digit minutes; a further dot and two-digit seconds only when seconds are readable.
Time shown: 6.18
